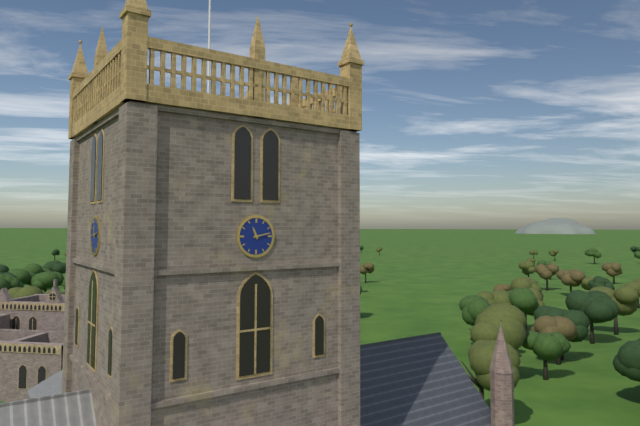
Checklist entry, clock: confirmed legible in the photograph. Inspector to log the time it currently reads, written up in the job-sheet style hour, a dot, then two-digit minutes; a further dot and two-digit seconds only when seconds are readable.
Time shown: 11.13
